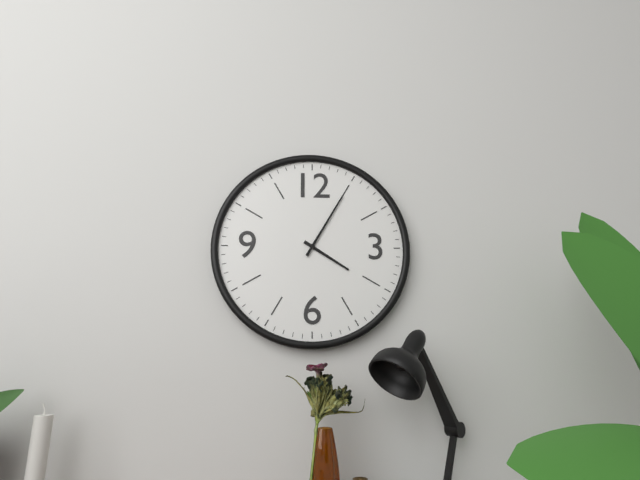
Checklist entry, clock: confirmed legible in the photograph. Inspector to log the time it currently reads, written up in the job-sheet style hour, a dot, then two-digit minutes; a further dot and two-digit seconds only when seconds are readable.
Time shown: 4.05
